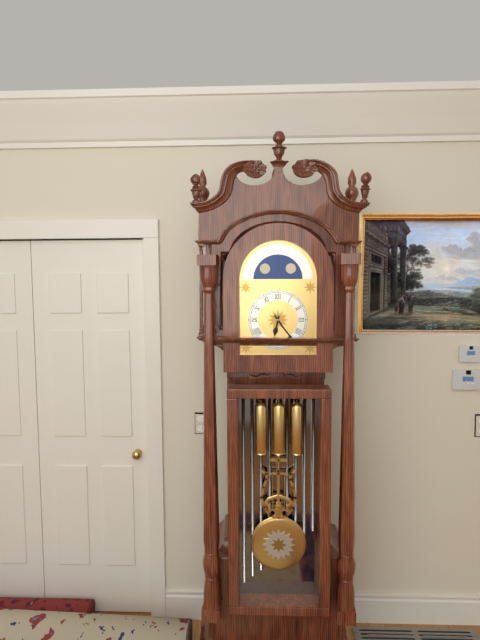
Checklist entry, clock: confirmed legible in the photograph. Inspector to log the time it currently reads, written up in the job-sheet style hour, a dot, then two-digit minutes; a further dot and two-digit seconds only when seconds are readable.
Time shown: 6.24
